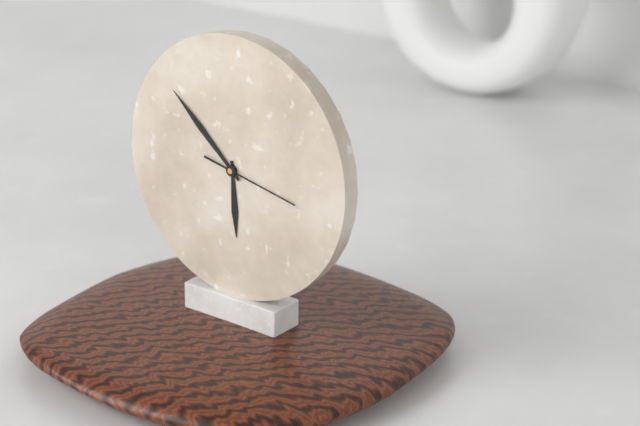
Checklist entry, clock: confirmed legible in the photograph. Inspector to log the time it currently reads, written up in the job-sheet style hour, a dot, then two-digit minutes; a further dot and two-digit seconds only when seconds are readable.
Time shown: 5.52.17
